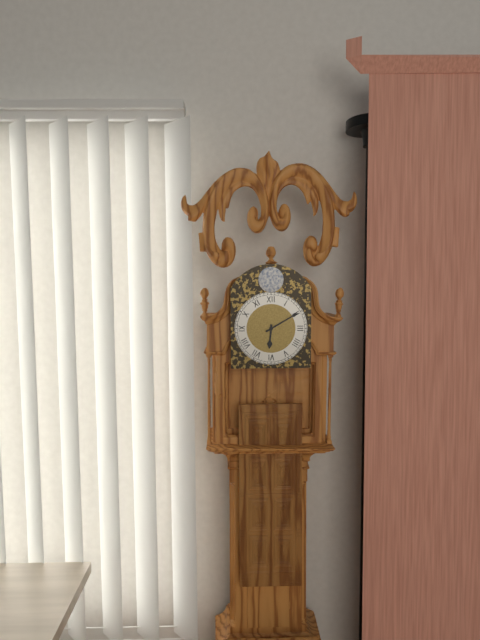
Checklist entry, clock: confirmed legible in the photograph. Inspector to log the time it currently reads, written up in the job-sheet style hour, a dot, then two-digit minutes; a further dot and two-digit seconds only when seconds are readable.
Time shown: 6.10
